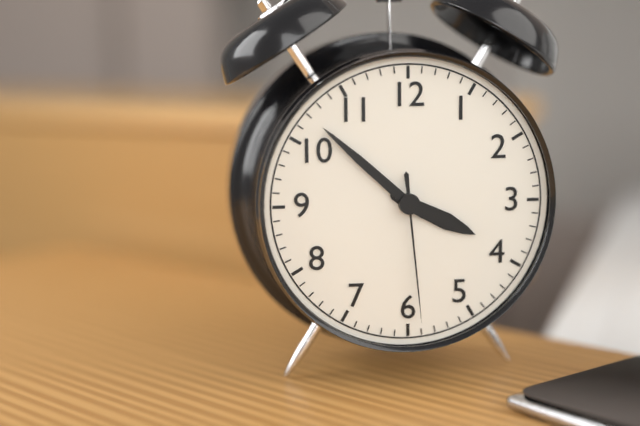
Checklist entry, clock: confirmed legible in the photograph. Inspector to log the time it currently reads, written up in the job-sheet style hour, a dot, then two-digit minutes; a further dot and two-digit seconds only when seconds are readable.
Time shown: 3.52.29
